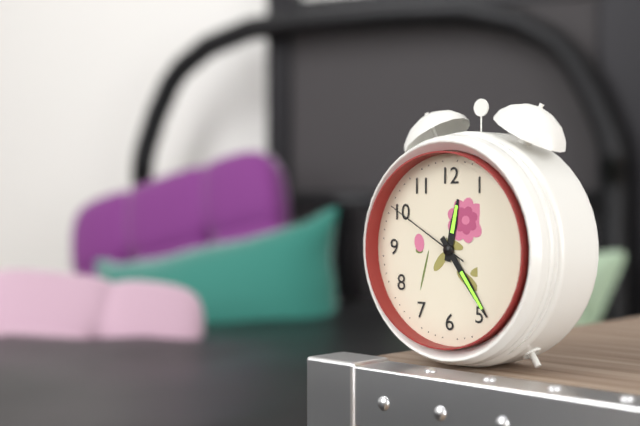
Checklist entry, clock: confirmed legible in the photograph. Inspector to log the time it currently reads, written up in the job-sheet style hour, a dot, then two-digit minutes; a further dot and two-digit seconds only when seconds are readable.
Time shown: 12.24.50
